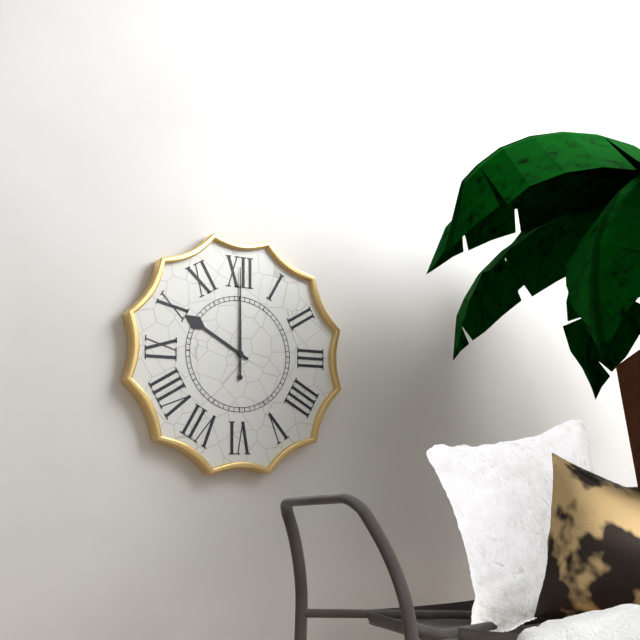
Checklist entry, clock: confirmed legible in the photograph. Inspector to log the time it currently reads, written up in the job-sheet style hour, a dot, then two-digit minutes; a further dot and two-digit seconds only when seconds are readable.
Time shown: 10.00
